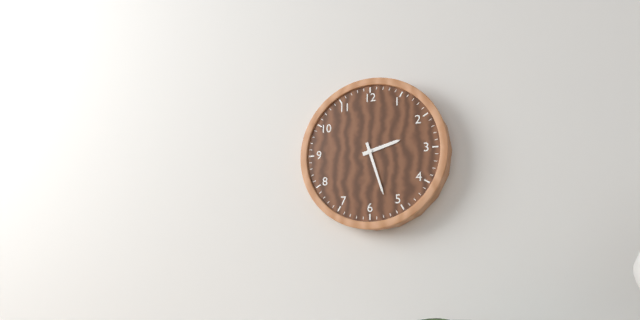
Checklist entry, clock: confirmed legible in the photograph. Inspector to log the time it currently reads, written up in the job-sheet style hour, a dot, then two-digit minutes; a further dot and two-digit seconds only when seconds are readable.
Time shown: 2.27
